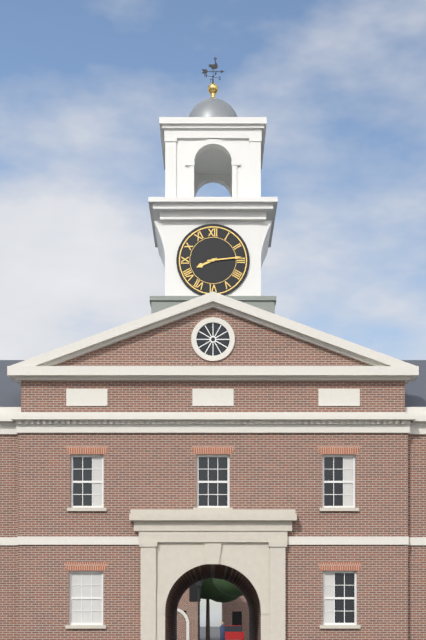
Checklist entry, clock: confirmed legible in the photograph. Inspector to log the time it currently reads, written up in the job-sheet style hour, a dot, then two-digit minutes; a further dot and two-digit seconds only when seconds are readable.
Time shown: 8.14
